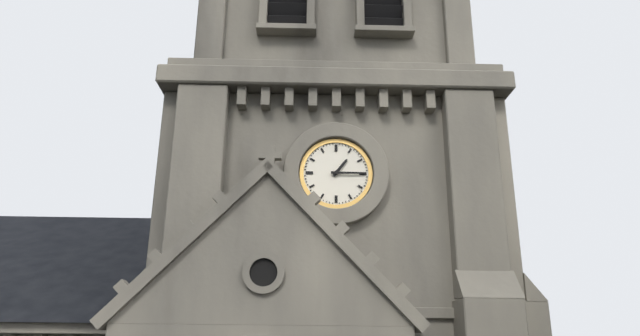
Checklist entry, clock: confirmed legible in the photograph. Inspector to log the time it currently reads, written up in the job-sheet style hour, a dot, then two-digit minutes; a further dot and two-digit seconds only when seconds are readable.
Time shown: 1.15
